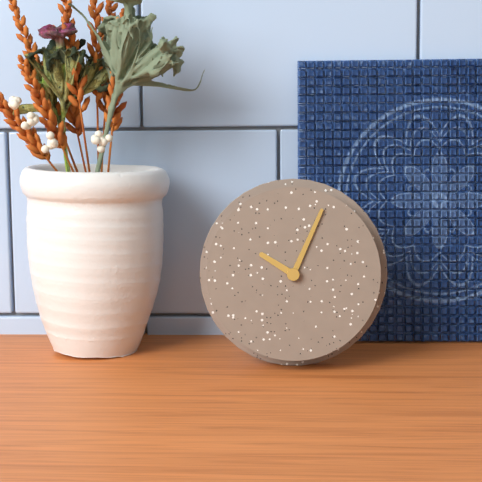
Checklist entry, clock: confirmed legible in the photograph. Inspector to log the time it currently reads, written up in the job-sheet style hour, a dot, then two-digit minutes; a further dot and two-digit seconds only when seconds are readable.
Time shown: 10.04
